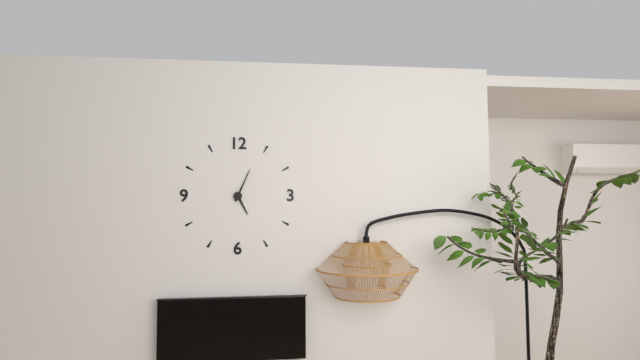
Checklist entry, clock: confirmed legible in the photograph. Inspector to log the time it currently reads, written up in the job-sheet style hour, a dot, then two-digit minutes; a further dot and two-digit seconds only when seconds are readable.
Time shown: 5.04
